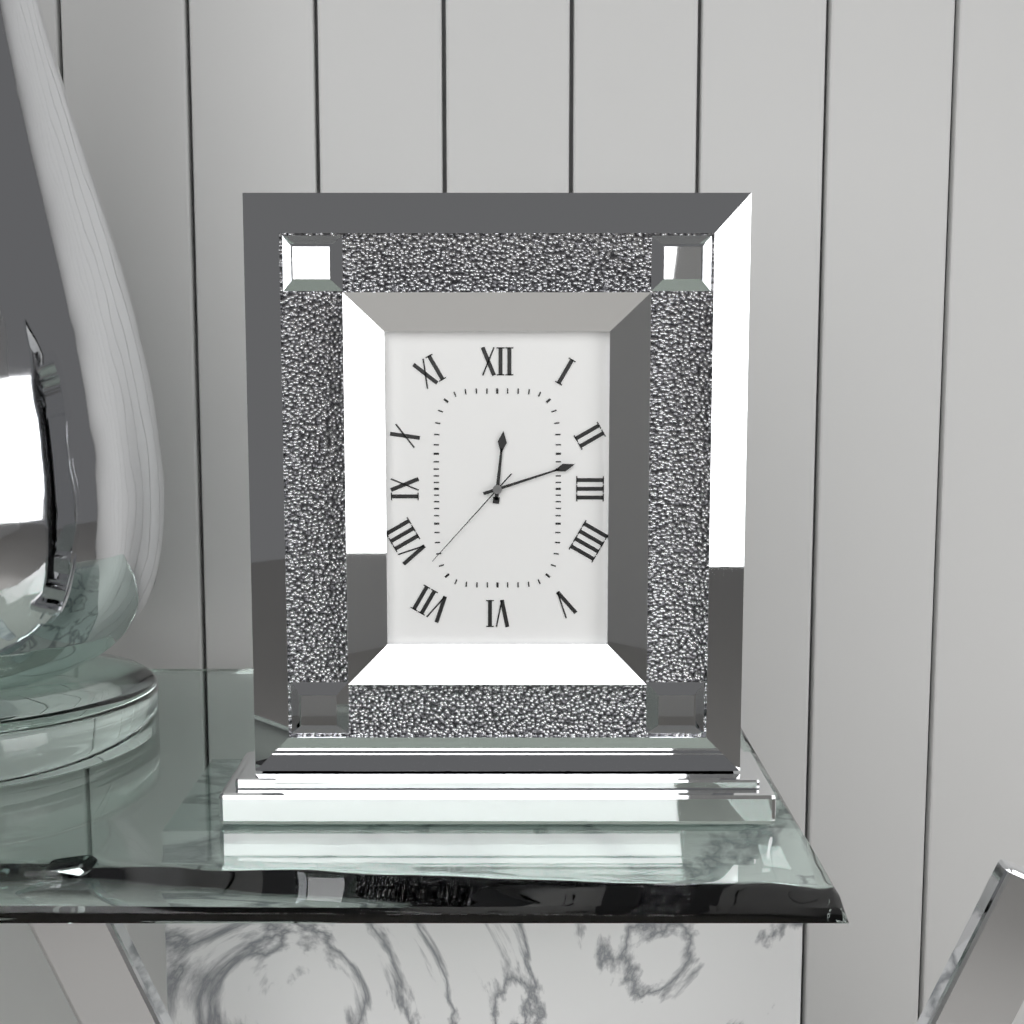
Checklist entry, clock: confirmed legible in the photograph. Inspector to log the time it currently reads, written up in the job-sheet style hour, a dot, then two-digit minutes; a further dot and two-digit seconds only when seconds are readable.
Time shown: 12.12.37
